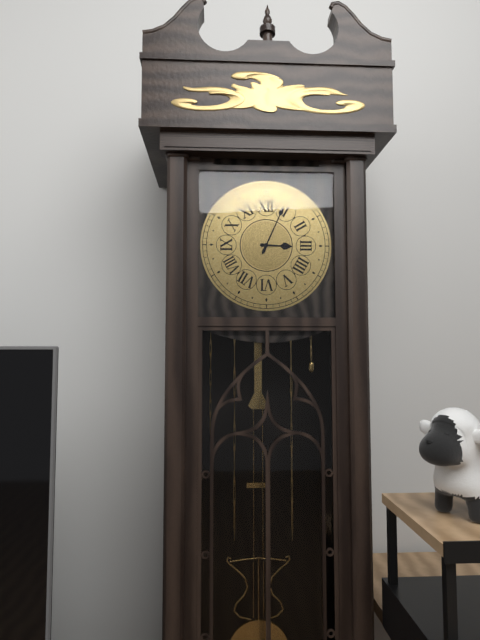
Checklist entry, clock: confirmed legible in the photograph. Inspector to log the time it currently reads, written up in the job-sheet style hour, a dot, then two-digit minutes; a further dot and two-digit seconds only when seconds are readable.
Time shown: 3.04
